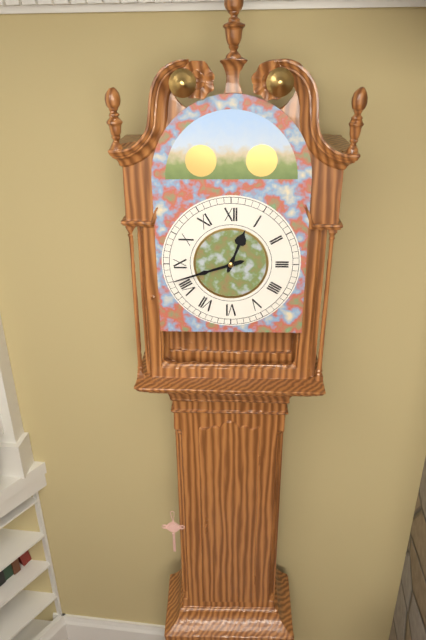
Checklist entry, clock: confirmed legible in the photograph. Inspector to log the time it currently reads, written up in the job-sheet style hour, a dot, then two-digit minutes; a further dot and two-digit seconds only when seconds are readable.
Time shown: 12.42
